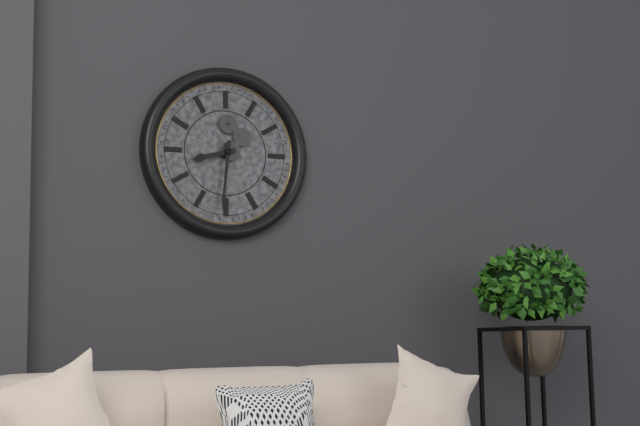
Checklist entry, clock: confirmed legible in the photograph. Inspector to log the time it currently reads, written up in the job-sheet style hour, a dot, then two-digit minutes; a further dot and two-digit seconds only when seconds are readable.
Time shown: 8.31
